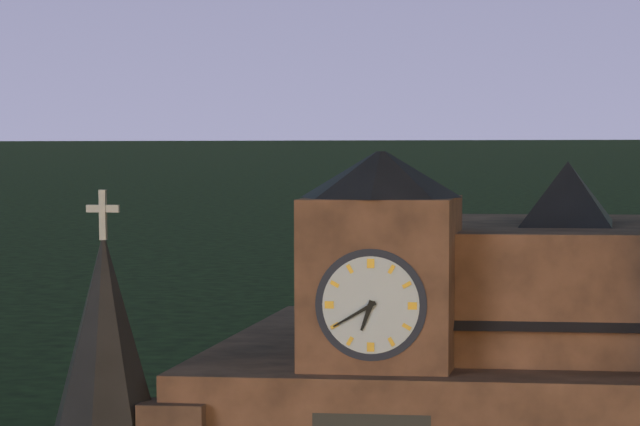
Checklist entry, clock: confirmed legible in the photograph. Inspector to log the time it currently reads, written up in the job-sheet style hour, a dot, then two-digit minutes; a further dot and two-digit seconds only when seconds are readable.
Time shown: 6.40
